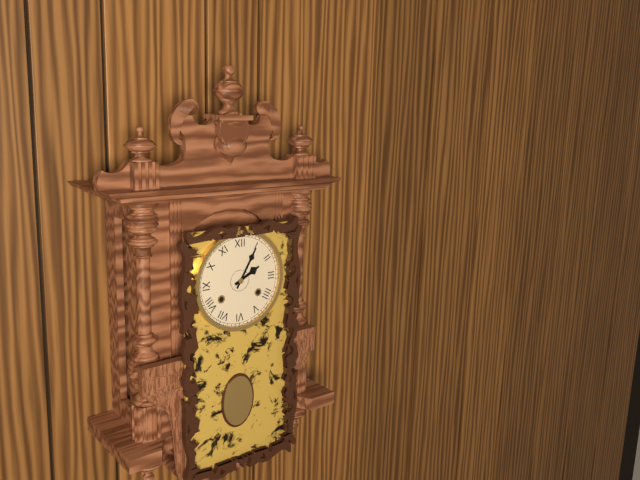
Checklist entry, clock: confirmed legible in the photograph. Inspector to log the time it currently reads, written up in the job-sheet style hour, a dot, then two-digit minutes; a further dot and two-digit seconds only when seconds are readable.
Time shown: 2.05
